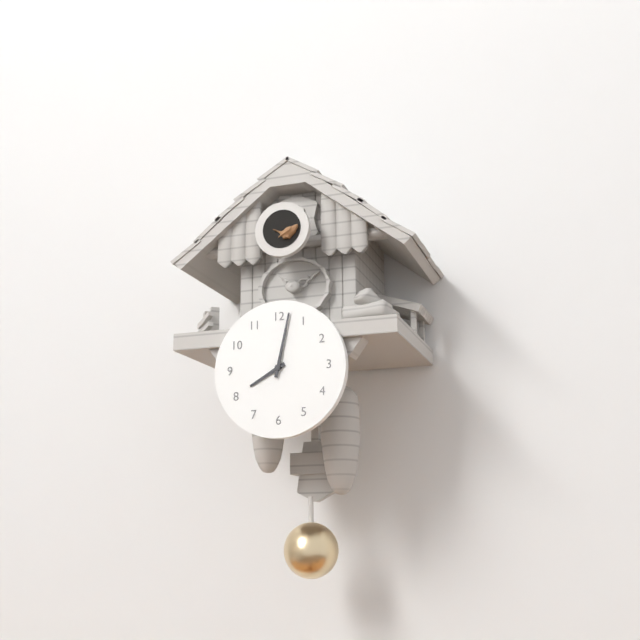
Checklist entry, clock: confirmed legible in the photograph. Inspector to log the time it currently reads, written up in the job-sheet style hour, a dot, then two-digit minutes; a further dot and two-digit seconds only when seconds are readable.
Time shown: 8.02
